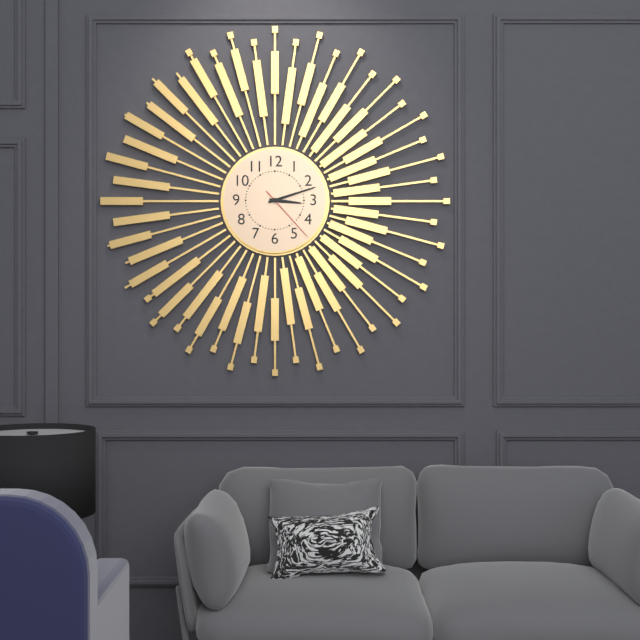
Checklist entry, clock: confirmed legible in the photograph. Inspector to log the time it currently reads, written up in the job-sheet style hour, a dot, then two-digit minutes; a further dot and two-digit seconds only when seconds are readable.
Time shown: 3.12.23
